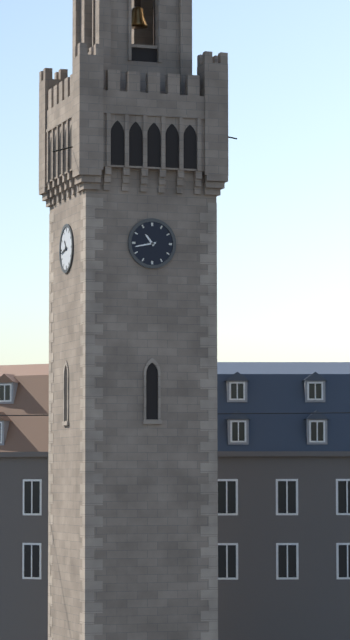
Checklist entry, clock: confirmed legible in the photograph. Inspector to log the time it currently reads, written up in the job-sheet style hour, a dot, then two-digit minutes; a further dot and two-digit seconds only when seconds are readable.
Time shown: 10.43
